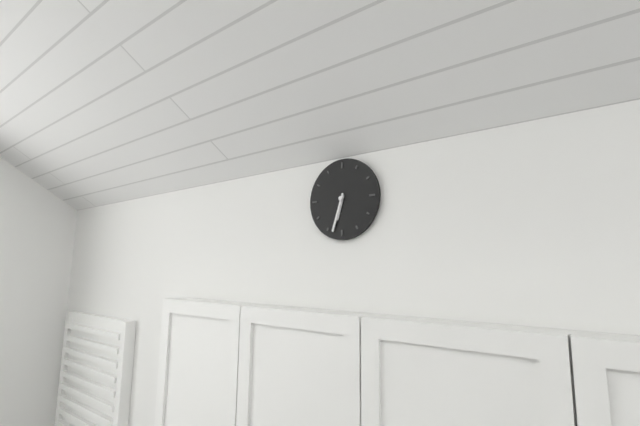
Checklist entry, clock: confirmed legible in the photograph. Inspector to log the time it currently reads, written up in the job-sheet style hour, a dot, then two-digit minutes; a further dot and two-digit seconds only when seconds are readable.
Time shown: 6.33
